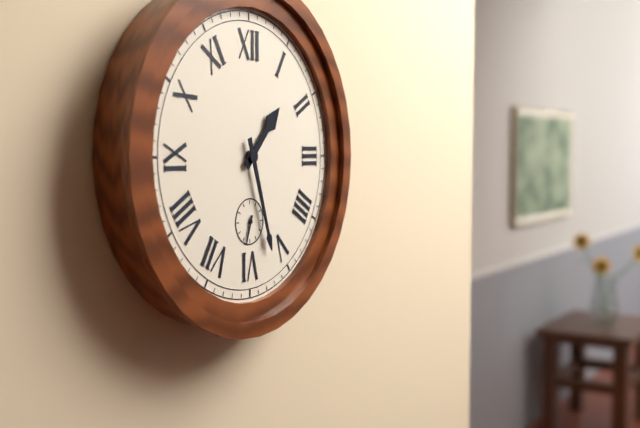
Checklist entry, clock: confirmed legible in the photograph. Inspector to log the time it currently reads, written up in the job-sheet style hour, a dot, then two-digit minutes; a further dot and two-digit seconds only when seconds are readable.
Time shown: 1.27
